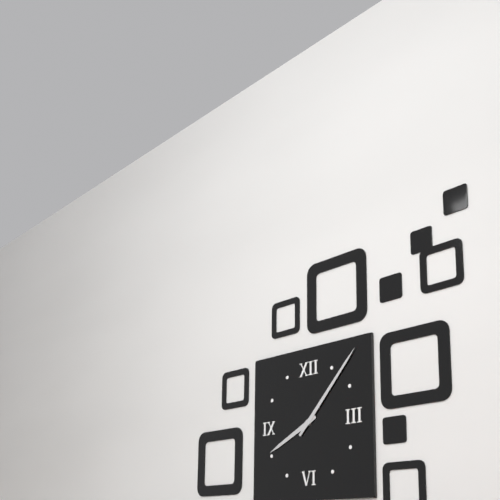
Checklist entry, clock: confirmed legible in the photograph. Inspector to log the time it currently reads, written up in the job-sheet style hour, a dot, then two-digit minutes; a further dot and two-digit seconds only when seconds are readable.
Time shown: 8.07
